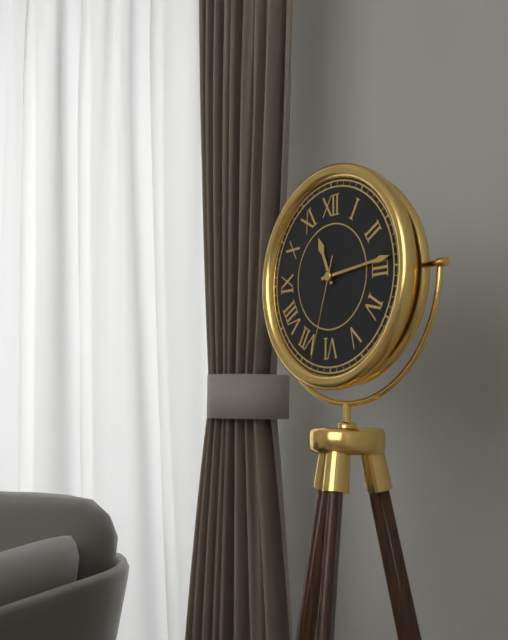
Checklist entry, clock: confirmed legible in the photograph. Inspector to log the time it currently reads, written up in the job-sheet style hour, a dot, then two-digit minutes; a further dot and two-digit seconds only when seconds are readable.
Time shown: 11.14.33
